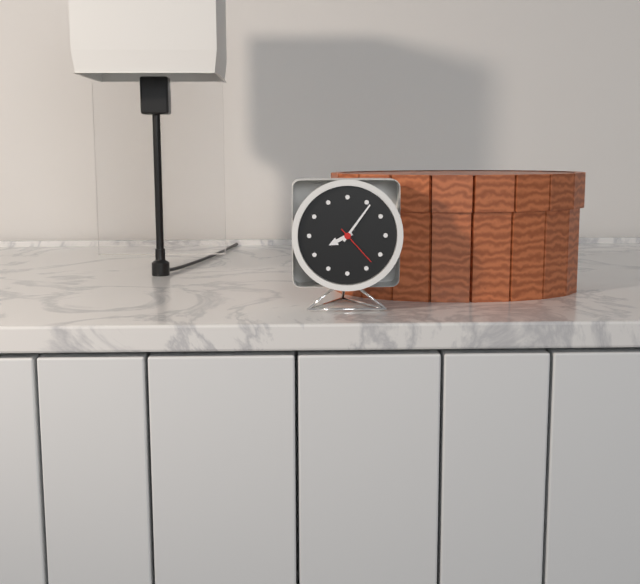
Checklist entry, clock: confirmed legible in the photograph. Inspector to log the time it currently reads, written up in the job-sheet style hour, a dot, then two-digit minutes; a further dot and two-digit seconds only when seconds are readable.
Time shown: 8.06
